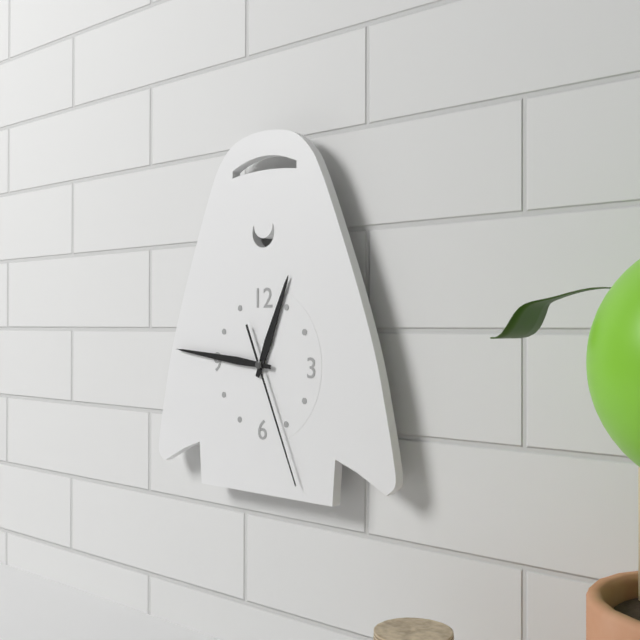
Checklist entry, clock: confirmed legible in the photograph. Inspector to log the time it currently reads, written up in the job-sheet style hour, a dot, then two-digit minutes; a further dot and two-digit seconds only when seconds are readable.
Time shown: 12.46.26
